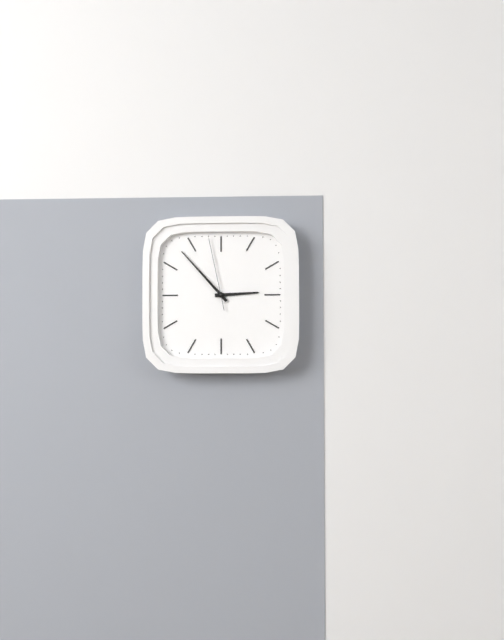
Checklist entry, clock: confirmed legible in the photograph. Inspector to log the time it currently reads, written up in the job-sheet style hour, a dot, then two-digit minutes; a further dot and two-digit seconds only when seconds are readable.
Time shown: 2.53.58
